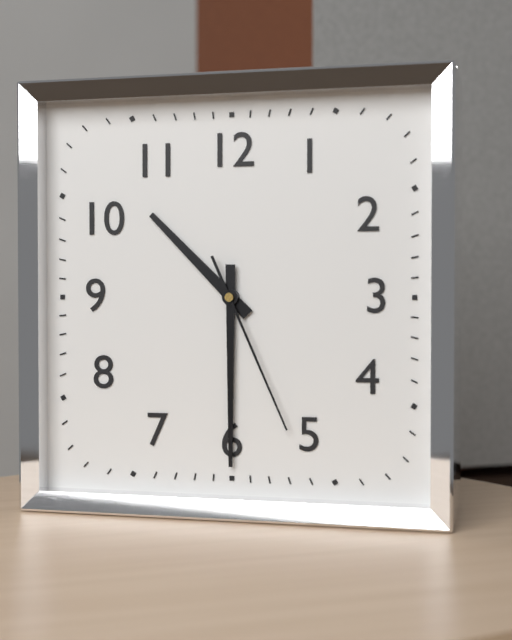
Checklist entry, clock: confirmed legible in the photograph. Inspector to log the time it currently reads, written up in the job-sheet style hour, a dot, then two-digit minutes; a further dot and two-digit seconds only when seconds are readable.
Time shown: 10.30.26
